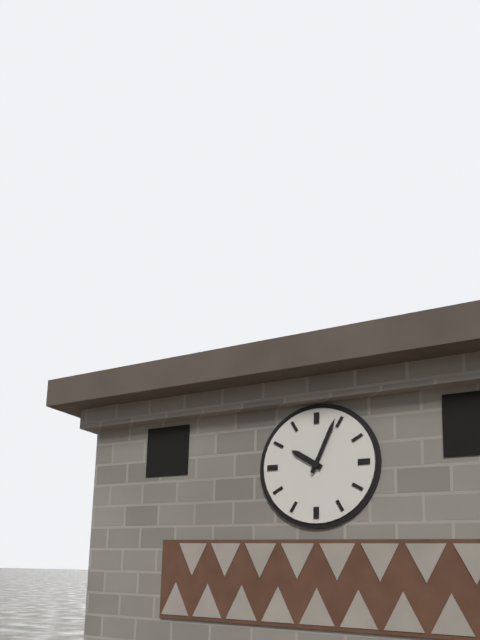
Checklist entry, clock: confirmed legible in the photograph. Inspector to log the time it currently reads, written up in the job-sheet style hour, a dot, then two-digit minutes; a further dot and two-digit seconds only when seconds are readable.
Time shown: 10.04
